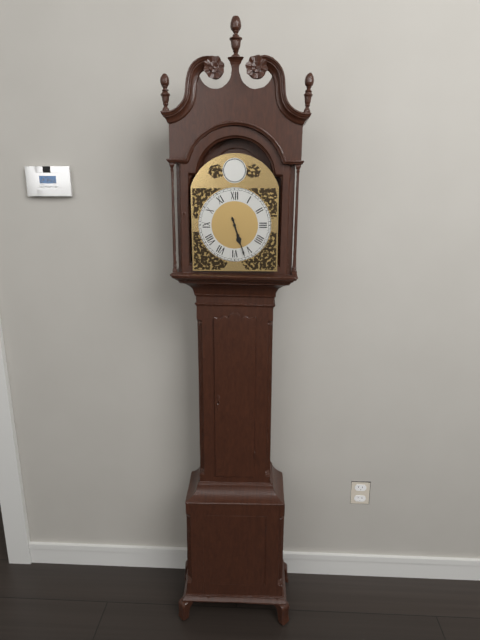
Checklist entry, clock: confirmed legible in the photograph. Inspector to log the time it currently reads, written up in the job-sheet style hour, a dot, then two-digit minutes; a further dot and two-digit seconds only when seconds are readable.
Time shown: 5.27
